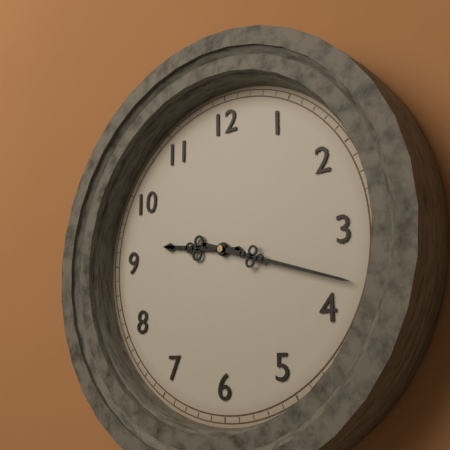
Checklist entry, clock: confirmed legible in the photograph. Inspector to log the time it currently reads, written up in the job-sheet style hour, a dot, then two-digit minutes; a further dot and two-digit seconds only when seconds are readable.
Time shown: 9.18
